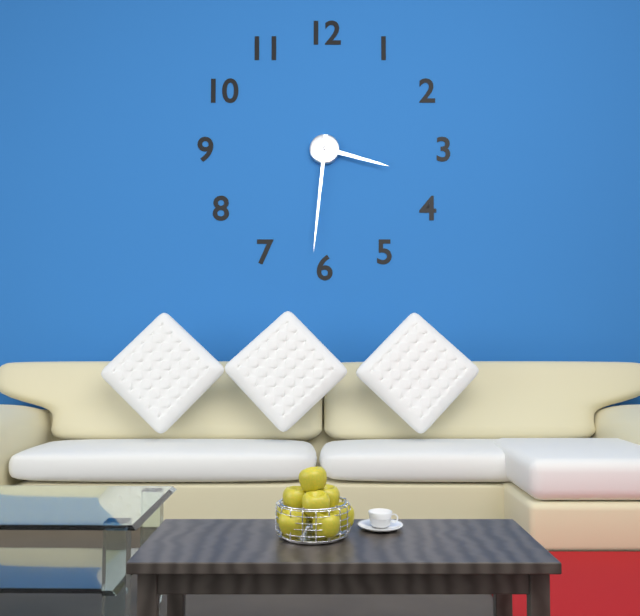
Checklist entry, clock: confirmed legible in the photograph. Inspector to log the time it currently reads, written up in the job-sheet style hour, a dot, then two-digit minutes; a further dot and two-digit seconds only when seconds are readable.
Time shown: 3.31
